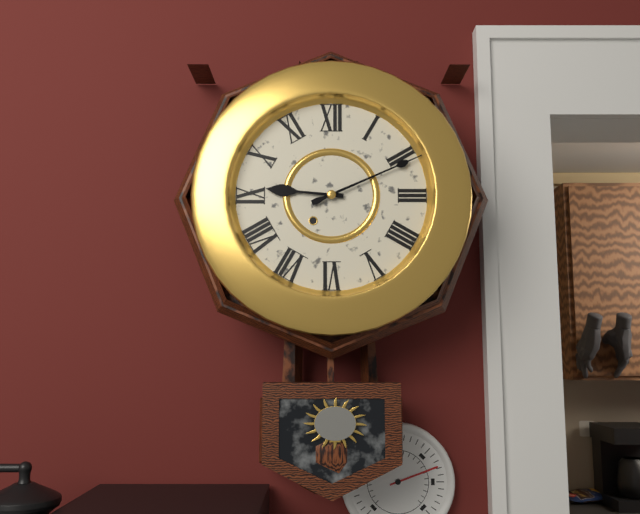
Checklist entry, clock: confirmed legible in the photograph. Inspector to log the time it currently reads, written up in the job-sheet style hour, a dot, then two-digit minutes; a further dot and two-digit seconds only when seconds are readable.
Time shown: 9.11
